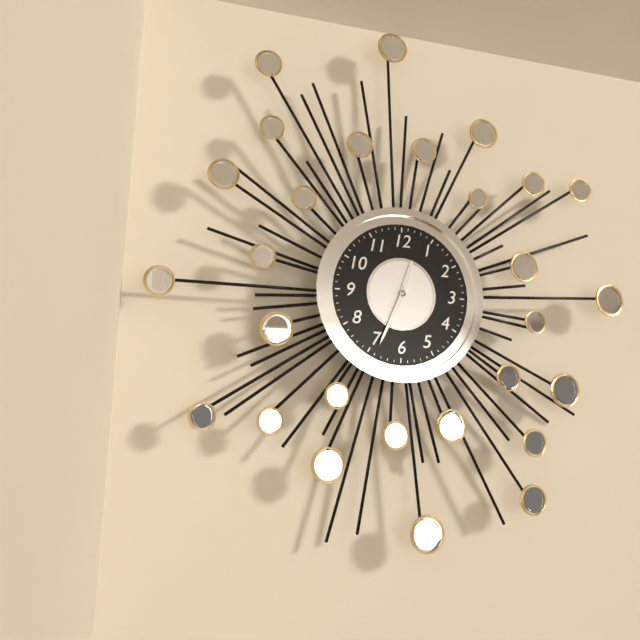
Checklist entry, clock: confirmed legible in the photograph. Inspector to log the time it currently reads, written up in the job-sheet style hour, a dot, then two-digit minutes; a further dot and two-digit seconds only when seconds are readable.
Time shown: 12.34
